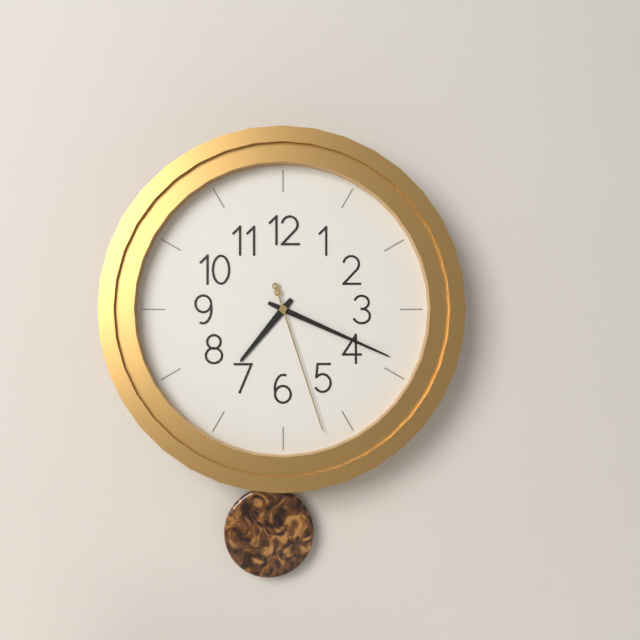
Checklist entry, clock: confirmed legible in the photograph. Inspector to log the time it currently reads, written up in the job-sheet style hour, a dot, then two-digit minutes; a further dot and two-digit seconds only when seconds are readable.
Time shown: 7.19.27
